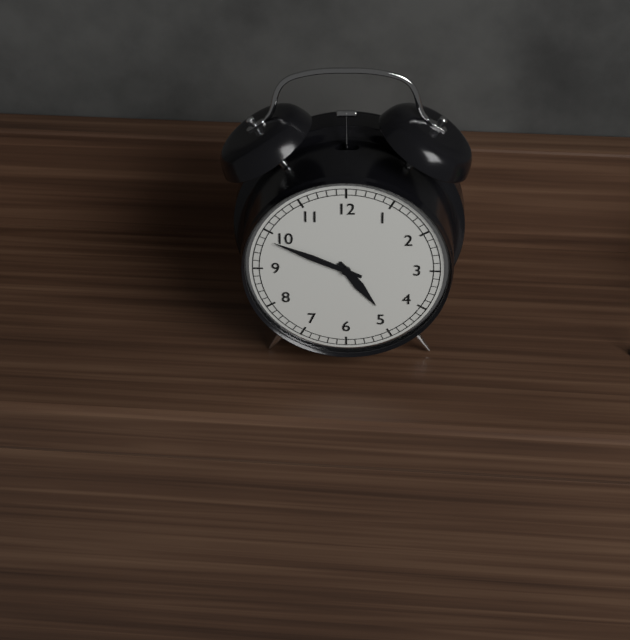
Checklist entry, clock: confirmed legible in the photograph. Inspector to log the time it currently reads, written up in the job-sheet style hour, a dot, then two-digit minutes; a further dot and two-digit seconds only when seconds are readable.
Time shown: 4.49
